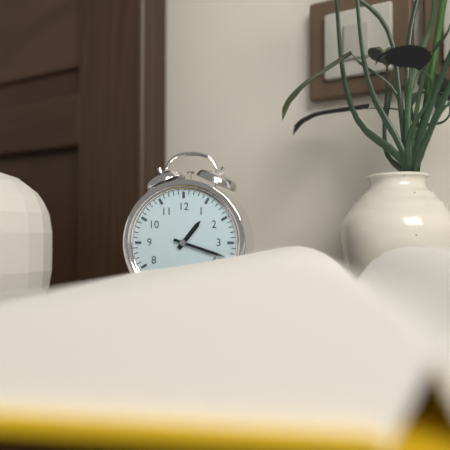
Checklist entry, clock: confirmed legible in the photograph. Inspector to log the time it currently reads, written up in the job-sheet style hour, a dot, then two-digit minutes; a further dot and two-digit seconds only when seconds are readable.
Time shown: 1.18
